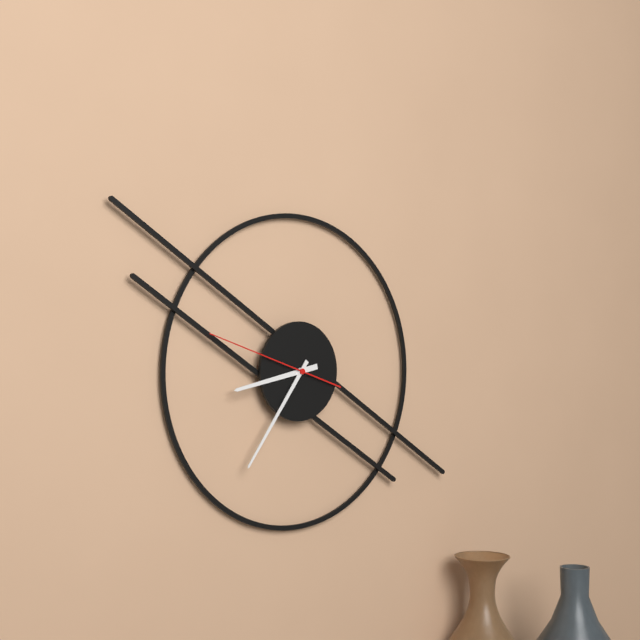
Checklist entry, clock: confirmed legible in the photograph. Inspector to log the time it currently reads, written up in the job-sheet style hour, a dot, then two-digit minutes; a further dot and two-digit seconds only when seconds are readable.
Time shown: 8.36.48
